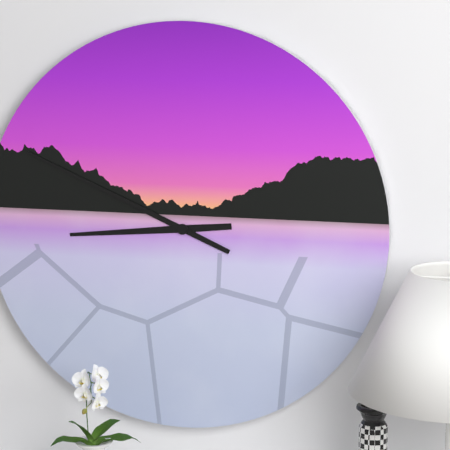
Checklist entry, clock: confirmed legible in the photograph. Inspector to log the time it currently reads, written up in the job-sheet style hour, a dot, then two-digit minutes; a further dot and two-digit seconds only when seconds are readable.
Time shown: 8.49
